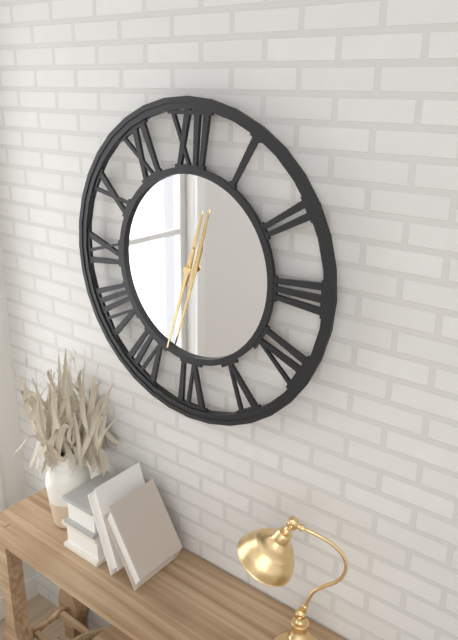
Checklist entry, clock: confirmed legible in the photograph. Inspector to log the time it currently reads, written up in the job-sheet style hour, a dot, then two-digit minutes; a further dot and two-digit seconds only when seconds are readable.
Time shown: 12.33
